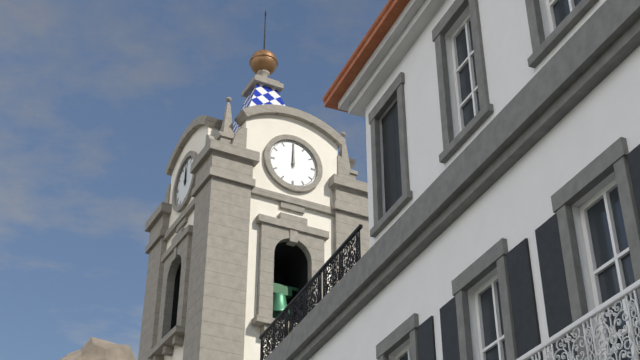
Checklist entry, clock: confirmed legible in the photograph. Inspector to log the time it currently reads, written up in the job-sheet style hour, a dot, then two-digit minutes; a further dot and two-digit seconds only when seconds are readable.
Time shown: 12.00
